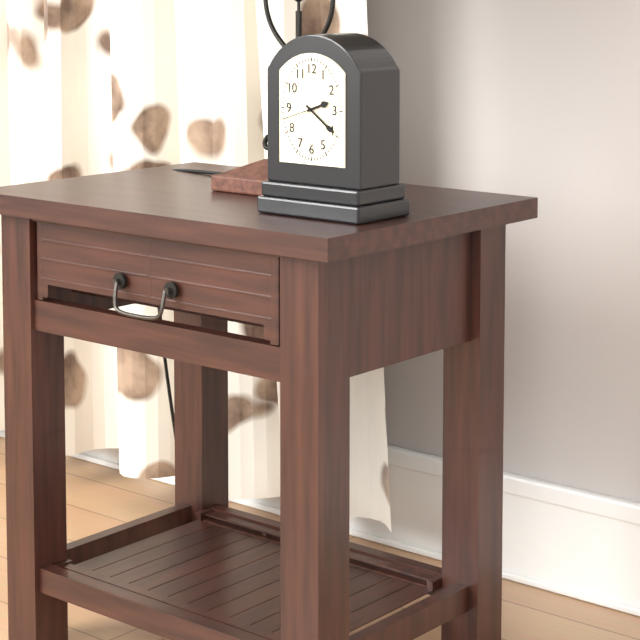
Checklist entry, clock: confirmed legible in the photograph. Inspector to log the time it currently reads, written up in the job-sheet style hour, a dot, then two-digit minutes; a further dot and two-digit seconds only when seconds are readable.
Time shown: 2.21
